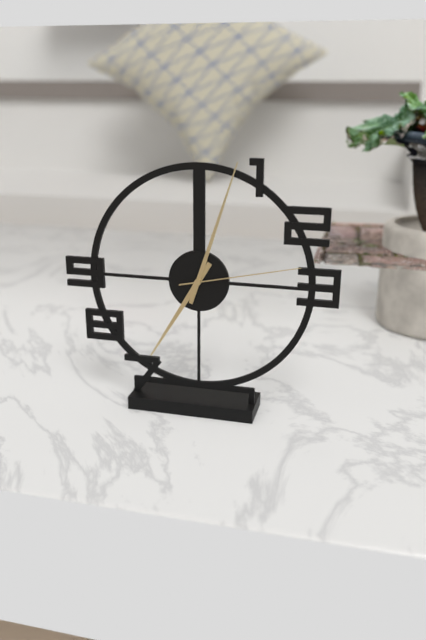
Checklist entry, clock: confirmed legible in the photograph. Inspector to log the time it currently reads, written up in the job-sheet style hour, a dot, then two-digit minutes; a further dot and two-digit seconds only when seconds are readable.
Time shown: 7.03.13
